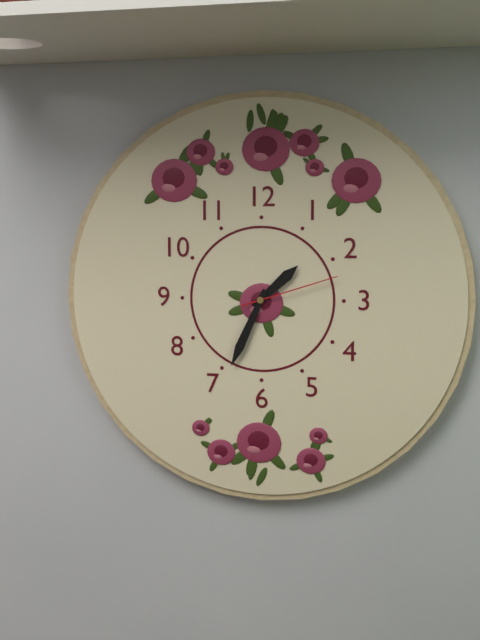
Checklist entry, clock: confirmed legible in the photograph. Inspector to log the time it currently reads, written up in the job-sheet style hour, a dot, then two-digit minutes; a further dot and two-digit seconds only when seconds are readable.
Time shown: 1.34.12
